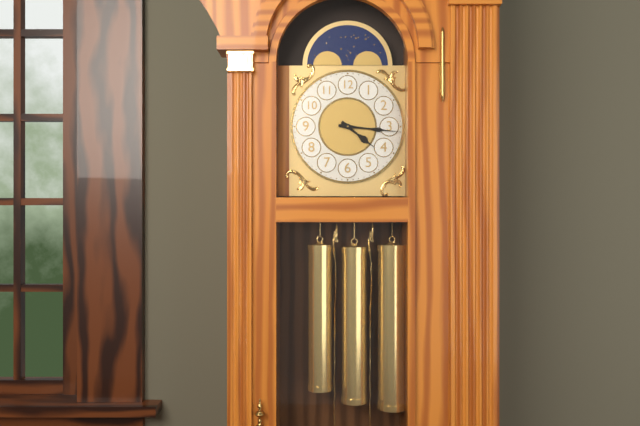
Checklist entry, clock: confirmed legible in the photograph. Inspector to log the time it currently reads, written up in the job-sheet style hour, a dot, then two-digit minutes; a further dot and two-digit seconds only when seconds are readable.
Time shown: 4.16
